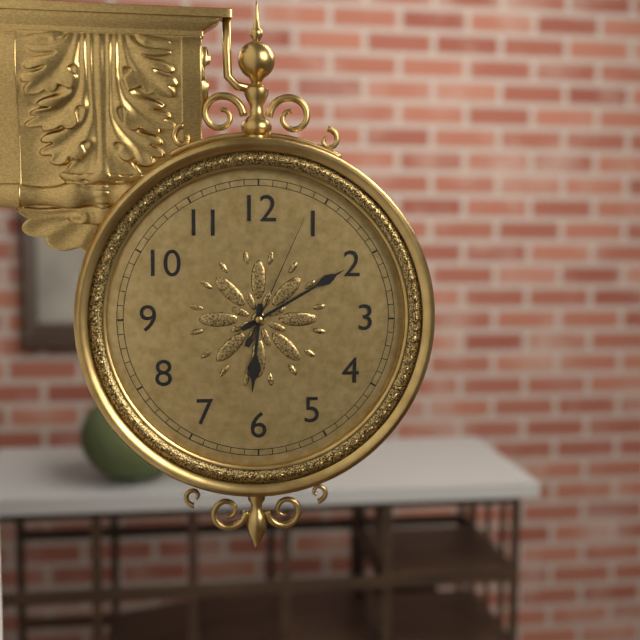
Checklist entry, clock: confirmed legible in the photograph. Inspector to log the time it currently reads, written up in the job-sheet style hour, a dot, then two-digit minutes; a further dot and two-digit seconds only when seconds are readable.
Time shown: 6.10.04
